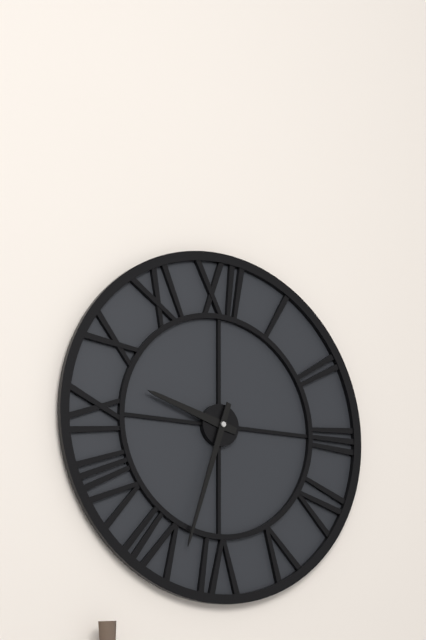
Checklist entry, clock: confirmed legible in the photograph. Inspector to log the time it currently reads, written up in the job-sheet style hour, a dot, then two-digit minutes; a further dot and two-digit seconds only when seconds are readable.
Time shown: 9.33
